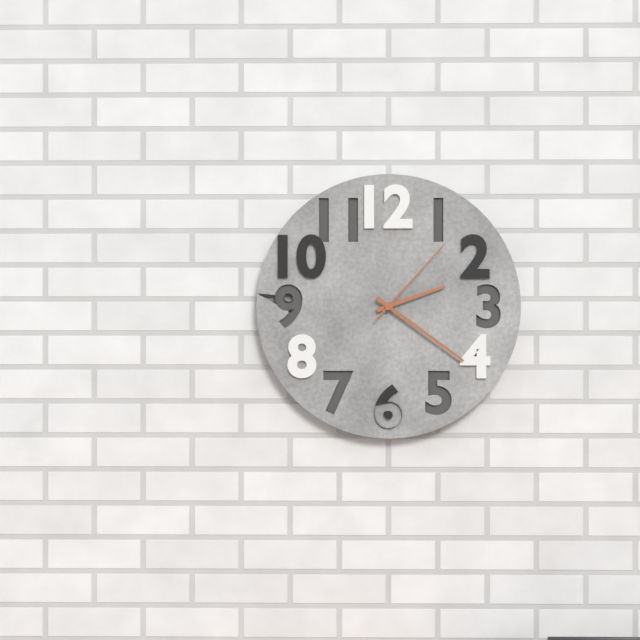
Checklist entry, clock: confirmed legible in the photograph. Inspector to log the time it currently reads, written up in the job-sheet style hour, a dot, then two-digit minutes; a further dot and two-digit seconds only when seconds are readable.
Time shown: 2.21.07
